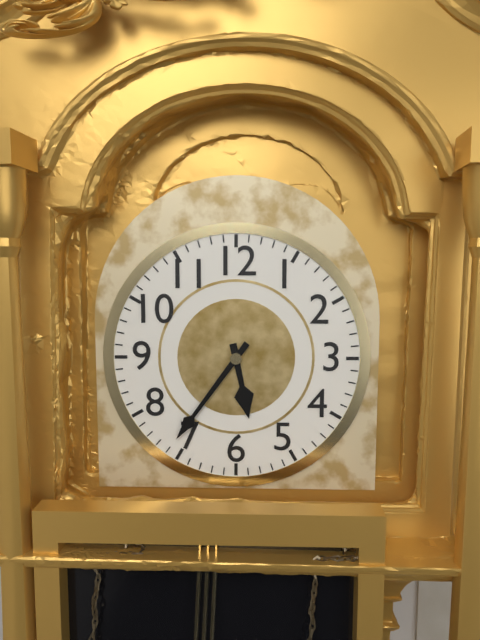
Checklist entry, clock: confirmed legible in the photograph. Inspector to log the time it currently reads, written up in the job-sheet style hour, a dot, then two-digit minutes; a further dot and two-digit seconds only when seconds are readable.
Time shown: 5.36
